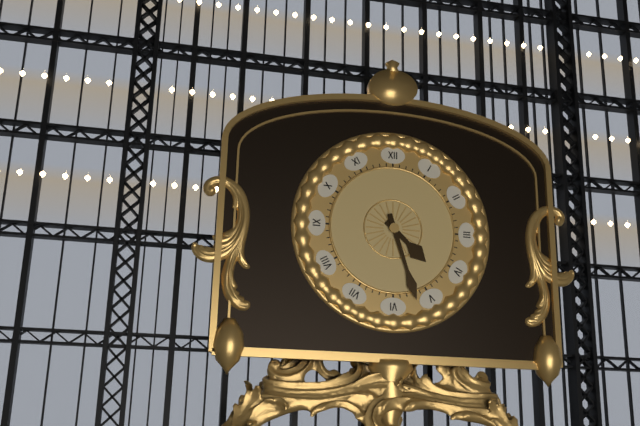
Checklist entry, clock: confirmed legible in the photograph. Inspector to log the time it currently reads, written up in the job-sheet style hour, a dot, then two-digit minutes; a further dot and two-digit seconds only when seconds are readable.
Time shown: 4.27
